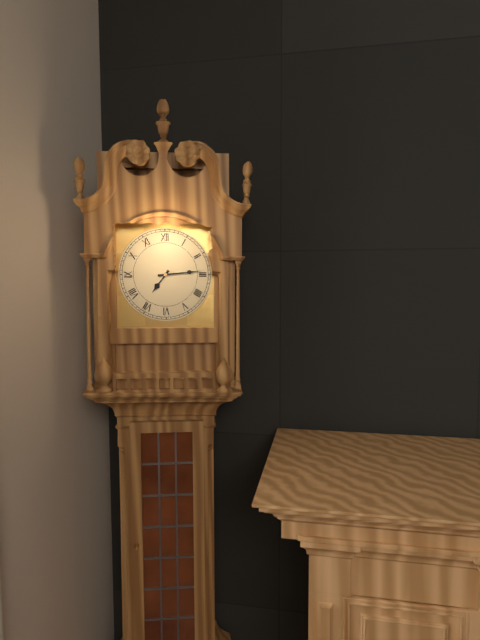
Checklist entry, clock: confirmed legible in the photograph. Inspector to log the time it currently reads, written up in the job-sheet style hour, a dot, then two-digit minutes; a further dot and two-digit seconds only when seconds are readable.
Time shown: 7.14
